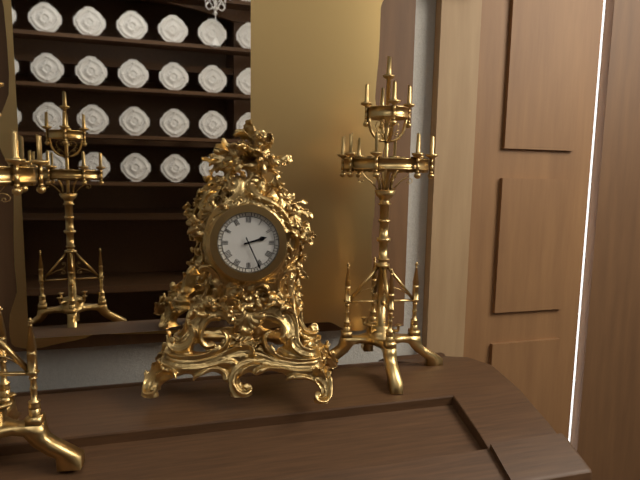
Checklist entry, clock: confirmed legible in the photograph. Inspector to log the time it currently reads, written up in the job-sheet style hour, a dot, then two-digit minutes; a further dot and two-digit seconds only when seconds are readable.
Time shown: 2.26
